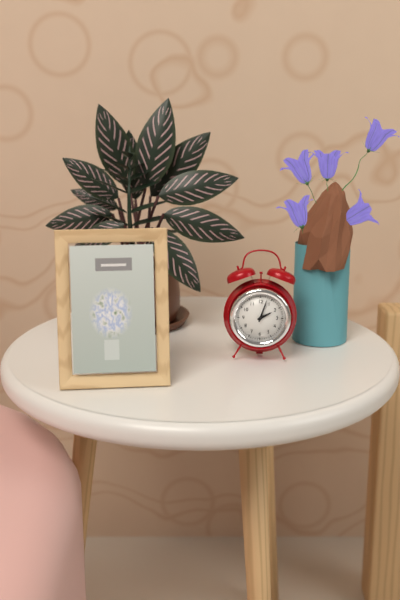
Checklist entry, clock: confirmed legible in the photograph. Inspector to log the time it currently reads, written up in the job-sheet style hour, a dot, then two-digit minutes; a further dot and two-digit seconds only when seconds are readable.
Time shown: 2.03
